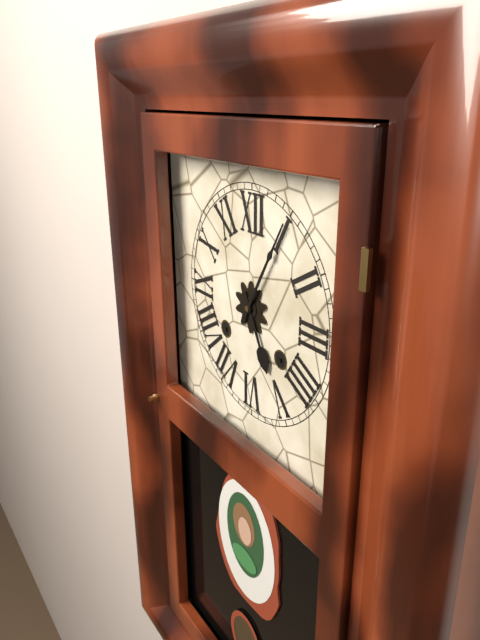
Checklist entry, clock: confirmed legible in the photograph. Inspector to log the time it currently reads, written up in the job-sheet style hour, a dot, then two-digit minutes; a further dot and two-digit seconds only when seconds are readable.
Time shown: 5.05
